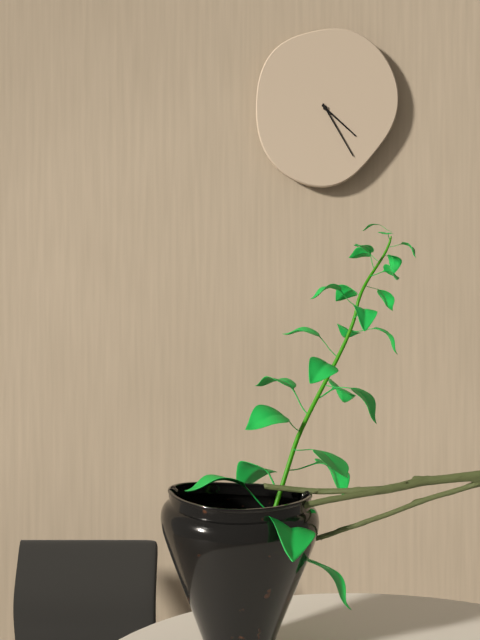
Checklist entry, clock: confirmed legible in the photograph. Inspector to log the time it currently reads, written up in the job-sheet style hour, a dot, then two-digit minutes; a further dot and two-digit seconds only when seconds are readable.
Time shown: 4.25
